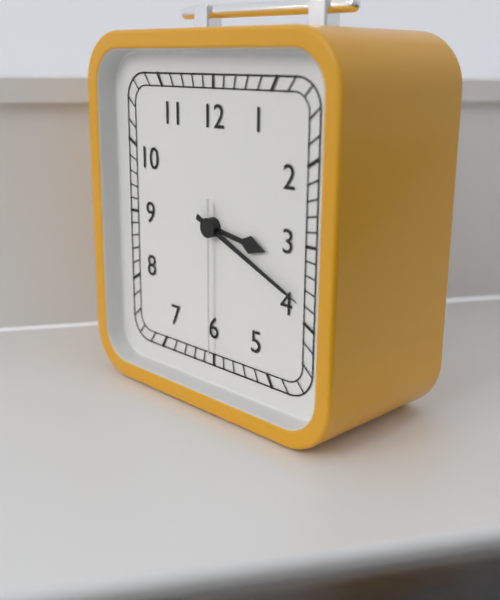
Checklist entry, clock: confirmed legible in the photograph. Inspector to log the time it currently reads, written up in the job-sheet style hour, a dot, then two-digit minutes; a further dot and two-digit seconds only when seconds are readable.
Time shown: 3.19.30
